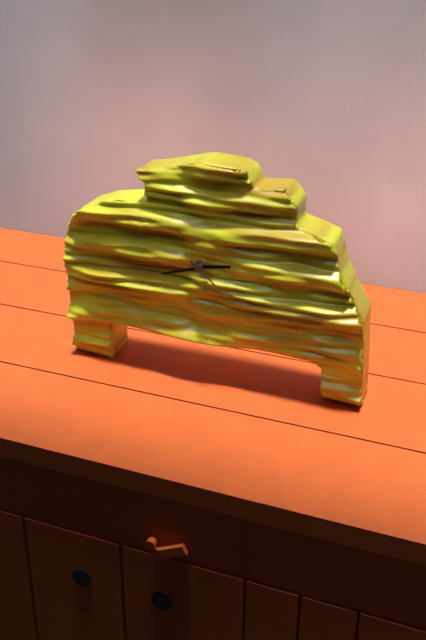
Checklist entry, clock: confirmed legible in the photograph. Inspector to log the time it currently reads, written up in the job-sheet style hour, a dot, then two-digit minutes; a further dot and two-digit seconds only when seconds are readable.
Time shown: 2.42.22
